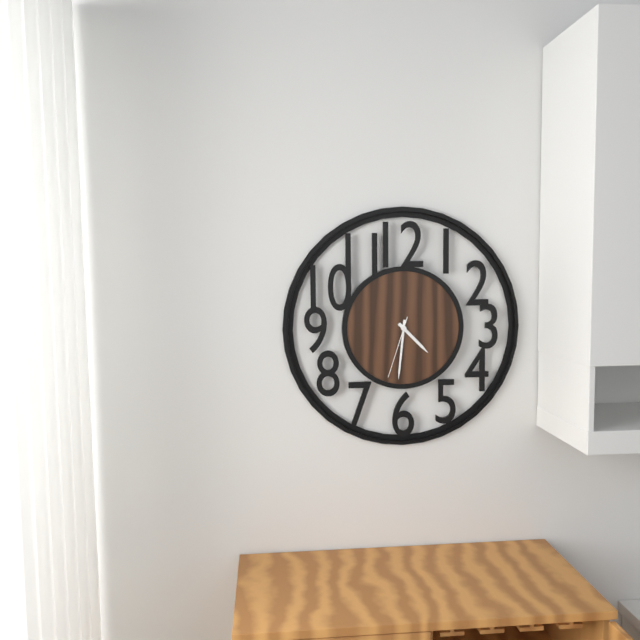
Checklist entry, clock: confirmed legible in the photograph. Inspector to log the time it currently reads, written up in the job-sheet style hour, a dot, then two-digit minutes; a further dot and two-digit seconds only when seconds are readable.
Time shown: 4.31.33
